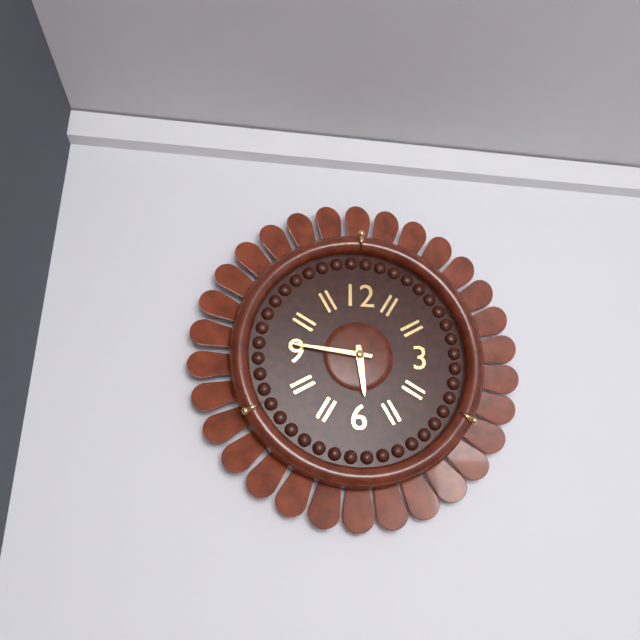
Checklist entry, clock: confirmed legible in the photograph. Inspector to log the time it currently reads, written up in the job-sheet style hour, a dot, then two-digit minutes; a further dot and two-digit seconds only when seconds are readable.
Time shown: 5.46
